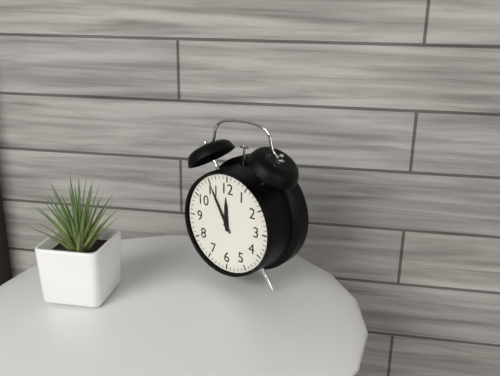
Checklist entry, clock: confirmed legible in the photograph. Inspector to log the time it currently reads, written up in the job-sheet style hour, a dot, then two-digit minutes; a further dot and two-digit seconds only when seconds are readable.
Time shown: 11.55
